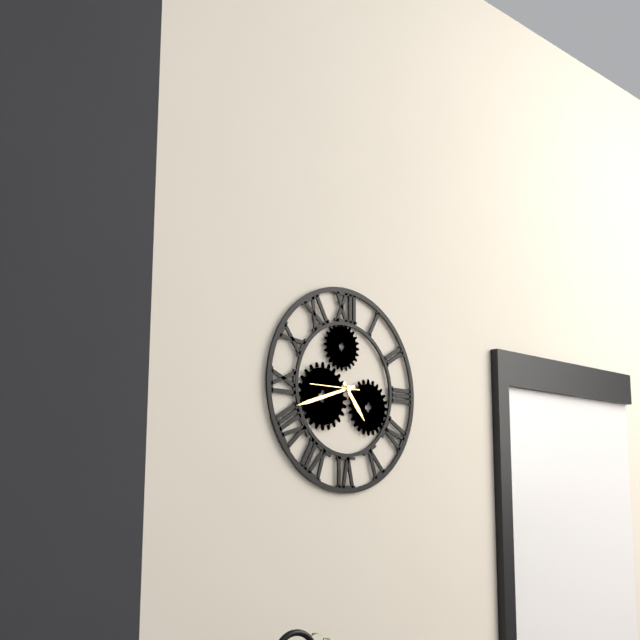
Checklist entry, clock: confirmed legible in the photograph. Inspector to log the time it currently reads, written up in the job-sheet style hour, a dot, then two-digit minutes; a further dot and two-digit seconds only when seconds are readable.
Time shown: 4.42
